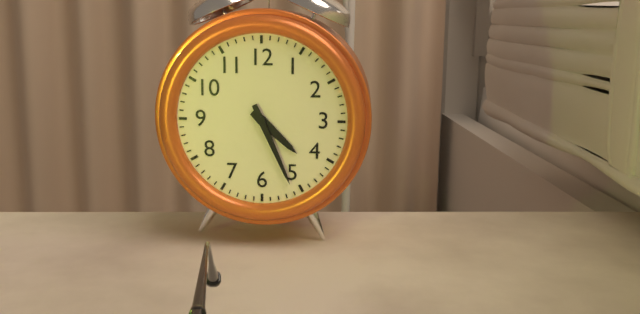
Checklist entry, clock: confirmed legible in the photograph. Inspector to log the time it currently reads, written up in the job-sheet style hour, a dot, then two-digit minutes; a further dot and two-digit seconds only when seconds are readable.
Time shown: 4.26
